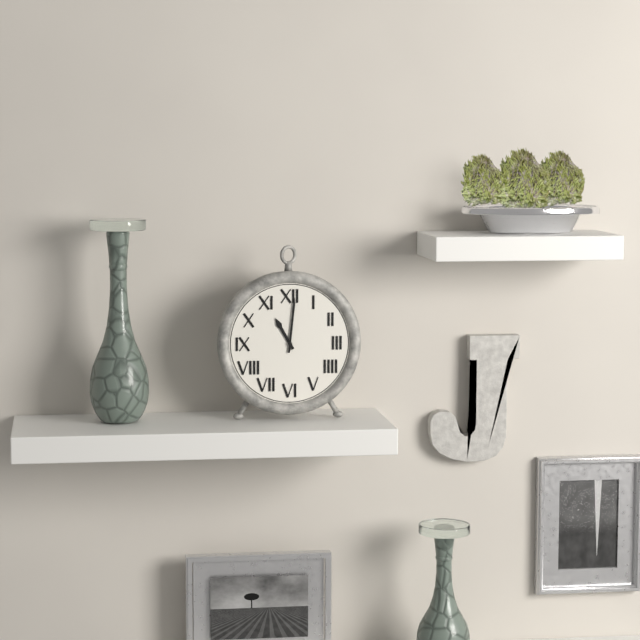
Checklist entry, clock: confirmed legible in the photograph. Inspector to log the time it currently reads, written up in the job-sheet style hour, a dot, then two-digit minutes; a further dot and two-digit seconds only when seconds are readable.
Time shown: 11.01
